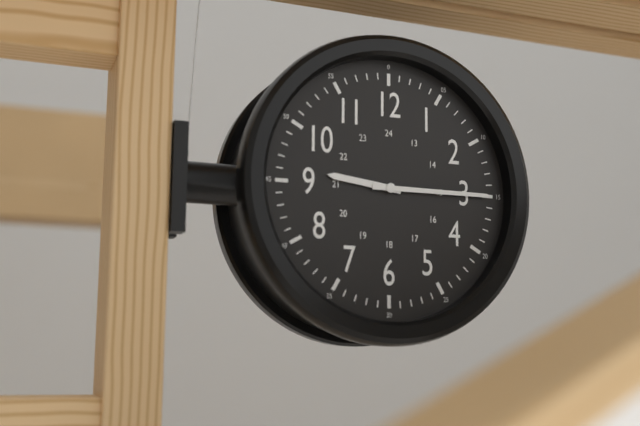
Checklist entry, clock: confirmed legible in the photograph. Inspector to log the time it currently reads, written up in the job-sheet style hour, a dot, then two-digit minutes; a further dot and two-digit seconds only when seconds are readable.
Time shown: 9.15
